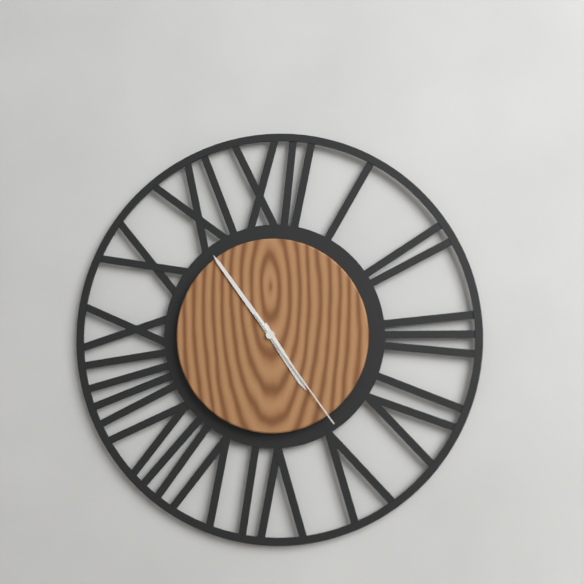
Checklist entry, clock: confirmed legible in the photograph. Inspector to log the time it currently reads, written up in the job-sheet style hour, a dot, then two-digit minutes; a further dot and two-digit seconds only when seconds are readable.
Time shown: 4.54.24
